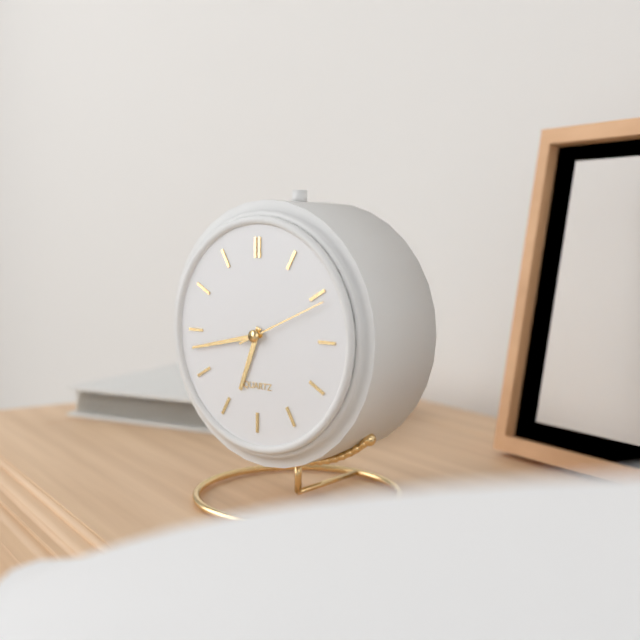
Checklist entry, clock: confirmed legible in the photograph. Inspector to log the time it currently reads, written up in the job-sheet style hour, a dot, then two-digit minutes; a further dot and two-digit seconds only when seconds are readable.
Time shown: 6.43.11
